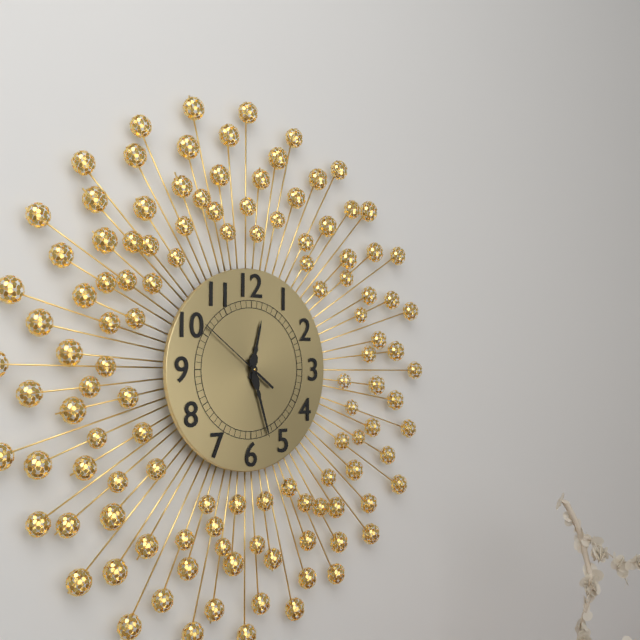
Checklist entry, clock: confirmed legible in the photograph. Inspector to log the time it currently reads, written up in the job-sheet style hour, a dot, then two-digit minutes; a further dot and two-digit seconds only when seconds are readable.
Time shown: 12.27.51
